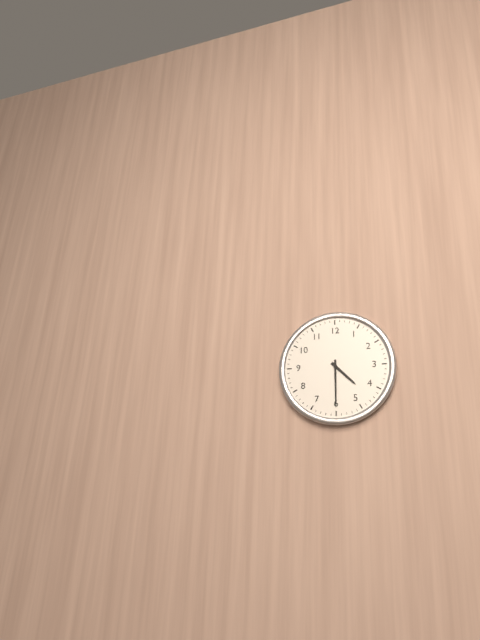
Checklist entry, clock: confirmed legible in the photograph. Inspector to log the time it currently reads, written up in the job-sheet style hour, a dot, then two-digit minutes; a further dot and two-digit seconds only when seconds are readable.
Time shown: 4.30
